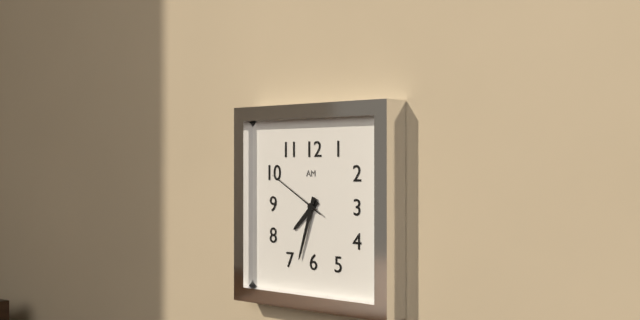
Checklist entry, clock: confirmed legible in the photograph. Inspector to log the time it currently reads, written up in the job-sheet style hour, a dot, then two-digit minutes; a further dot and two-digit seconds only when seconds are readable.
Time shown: 7.33.50
